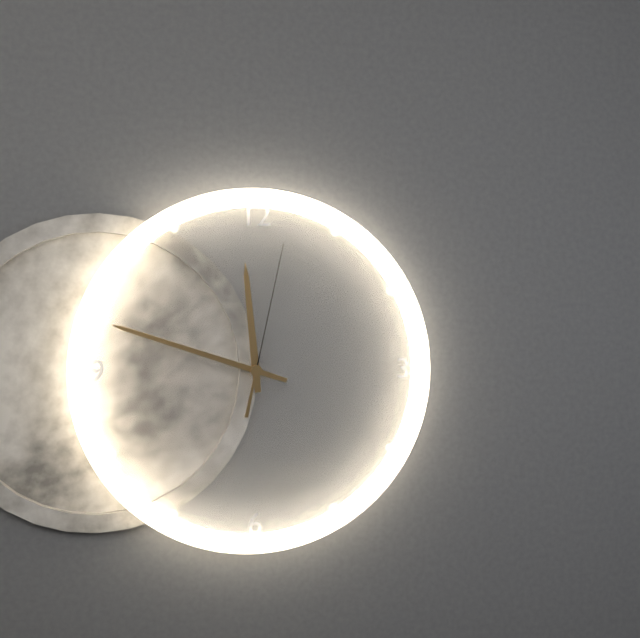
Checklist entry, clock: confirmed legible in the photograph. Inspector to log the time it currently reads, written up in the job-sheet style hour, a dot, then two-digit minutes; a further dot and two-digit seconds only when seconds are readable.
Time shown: 11.48.02
